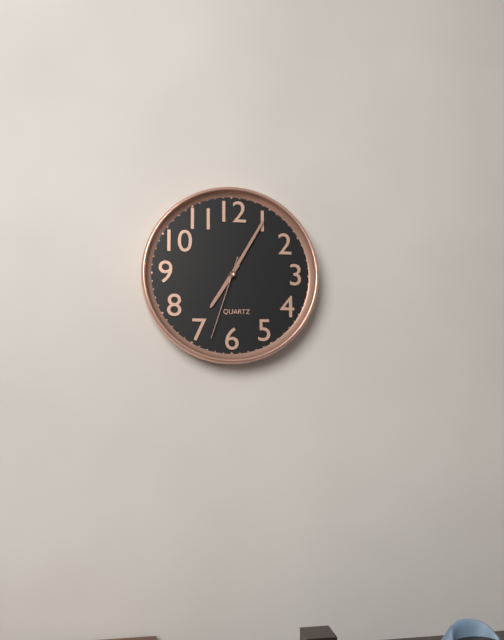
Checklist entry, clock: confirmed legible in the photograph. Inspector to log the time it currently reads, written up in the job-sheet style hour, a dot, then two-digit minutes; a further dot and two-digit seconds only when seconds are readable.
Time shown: 7.05.33
